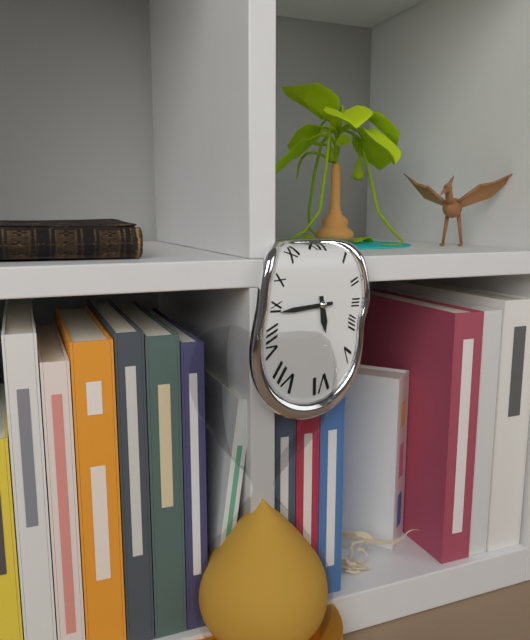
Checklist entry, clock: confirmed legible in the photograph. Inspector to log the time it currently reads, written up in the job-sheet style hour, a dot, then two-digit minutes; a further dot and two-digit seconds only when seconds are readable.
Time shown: 5.44
